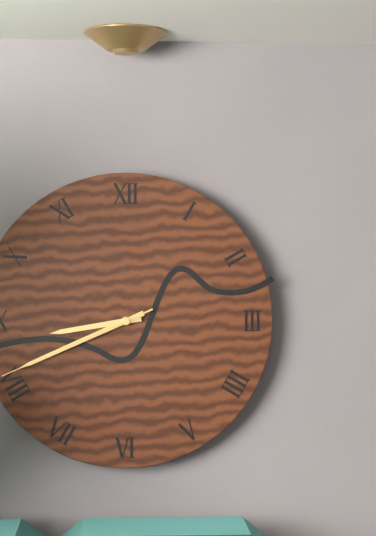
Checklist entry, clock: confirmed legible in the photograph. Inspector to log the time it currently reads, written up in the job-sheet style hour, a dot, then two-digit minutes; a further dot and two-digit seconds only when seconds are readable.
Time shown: 8.41.41
